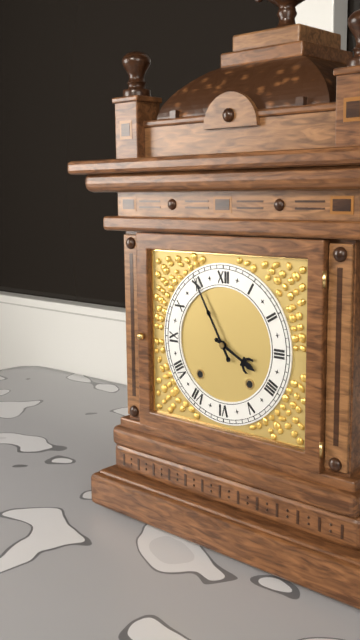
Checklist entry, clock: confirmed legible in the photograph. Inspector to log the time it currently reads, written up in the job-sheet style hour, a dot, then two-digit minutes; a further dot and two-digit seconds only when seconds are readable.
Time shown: 3.55
